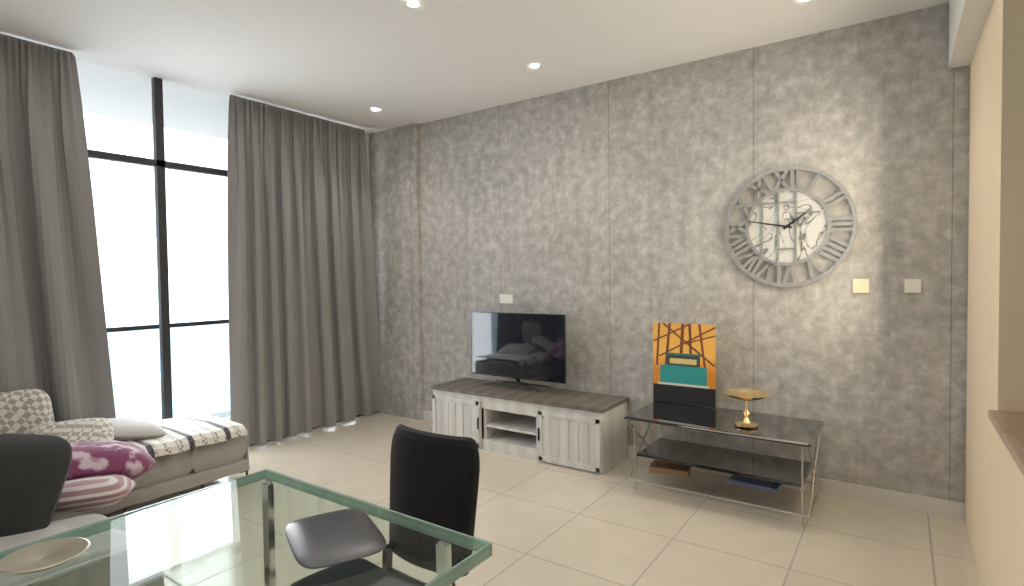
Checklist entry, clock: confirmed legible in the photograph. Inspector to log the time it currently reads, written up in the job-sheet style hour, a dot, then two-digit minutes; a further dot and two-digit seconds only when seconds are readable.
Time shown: 1.47
